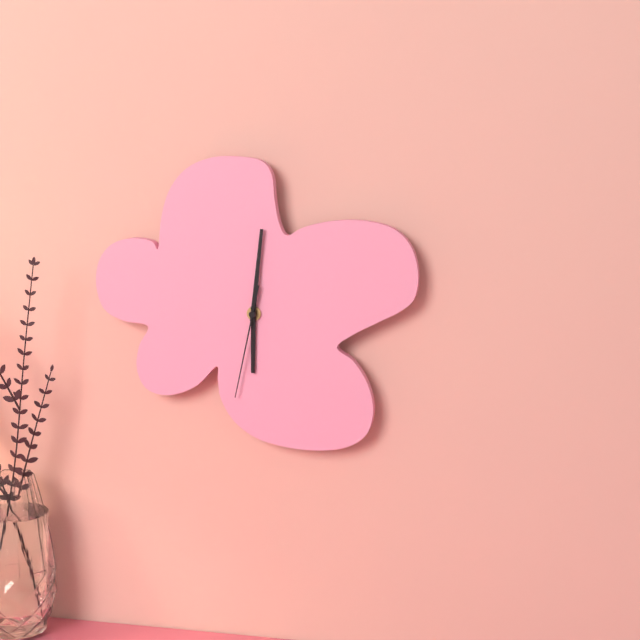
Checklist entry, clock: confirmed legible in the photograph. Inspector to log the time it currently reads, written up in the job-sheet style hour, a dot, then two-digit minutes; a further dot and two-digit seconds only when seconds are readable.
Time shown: 6.01.32
